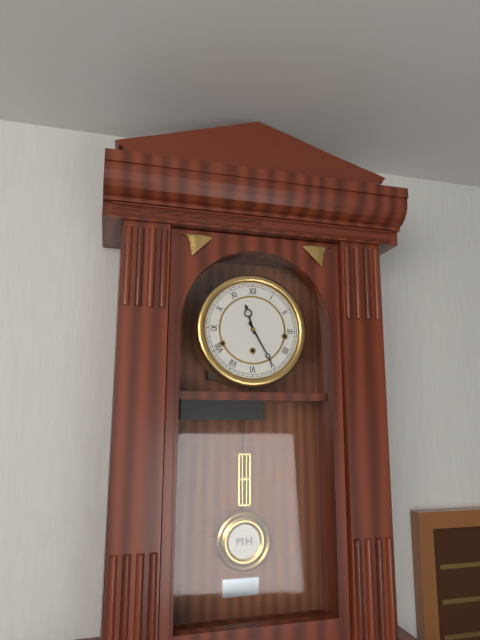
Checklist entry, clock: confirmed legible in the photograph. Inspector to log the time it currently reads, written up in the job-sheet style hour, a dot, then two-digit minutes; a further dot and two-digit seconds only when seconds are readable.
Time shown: 11.25
